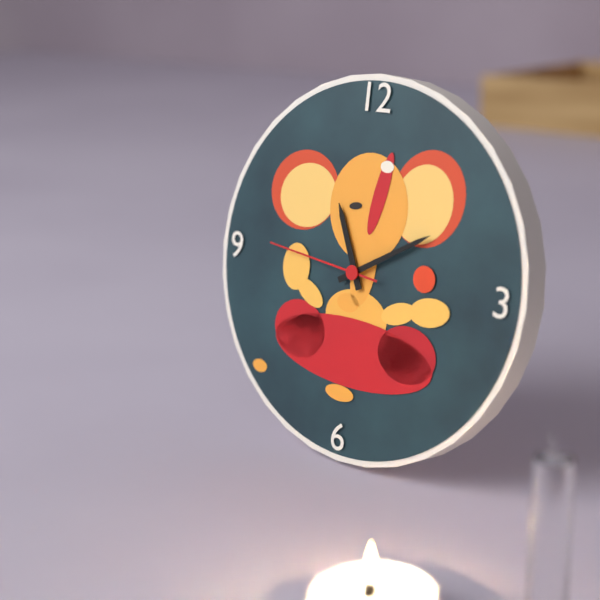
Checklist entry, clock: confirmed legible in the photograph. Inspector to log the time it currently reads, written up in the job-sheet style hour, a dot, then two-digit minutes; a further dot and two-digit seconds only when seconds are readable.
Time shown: 11.10.46
